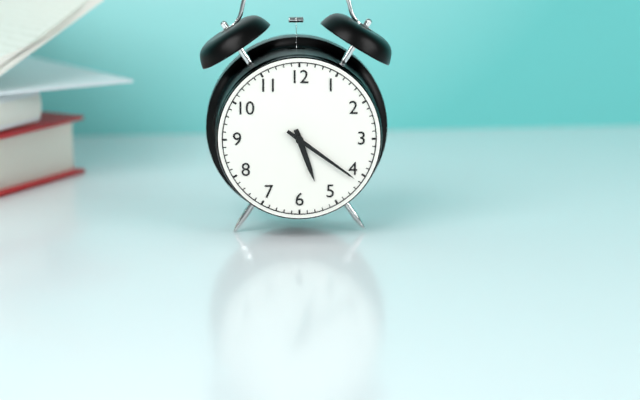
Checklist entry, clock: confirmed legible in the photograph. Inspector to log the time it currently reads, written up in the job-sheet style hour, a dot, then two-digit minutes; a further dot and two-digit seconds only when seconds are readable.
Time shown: 5.21
